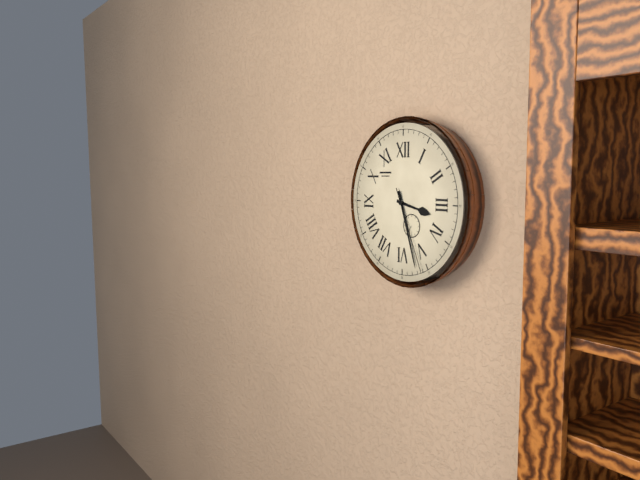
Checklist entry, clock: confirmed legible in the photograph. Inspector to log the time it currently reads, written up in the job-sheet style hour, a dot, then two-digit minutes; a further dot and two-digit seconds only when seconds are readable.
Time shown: 3.27.26
